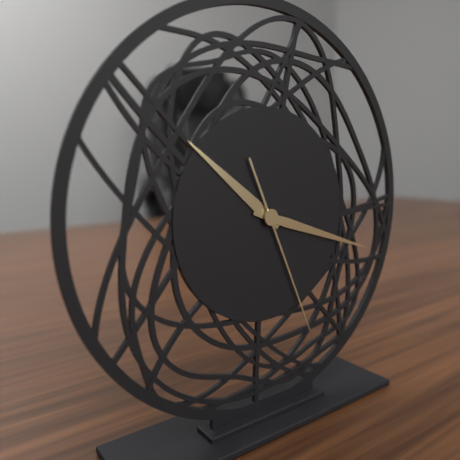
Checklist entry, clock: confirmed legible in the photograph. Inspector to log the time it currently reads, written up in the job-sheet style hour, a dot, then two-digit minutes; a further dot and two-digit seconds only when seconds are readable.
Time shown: 10.18.26
